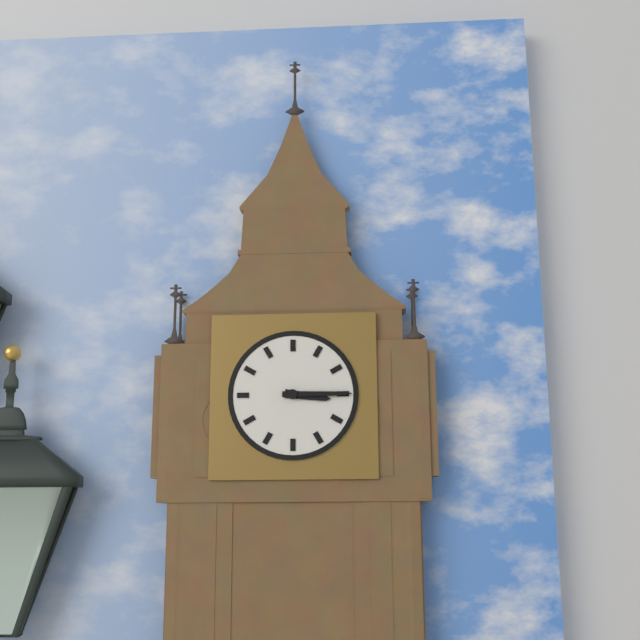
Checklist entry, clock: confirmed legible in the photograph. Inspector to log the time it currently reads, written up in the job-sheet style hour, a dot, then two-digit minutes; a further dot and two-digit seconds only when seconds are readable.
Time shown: 3.15
